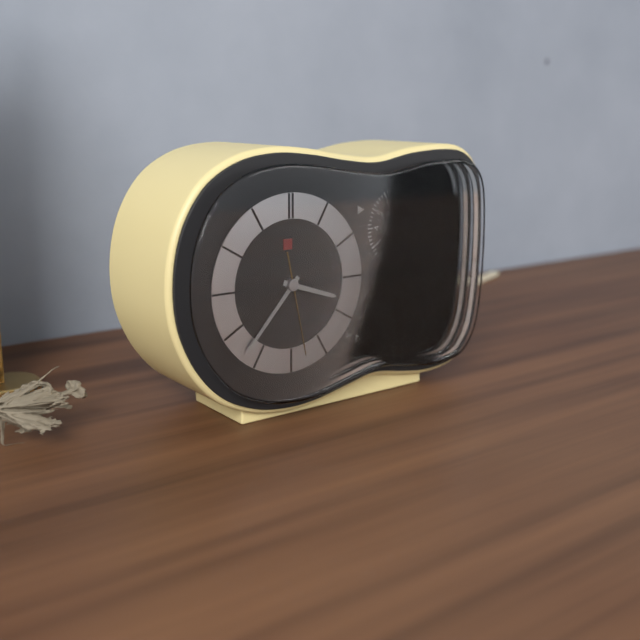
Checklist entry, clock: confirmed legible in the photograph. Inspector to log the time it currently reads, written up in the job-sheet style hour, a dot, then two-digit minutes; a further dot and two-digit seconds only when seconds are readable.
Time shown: 3.37.28
